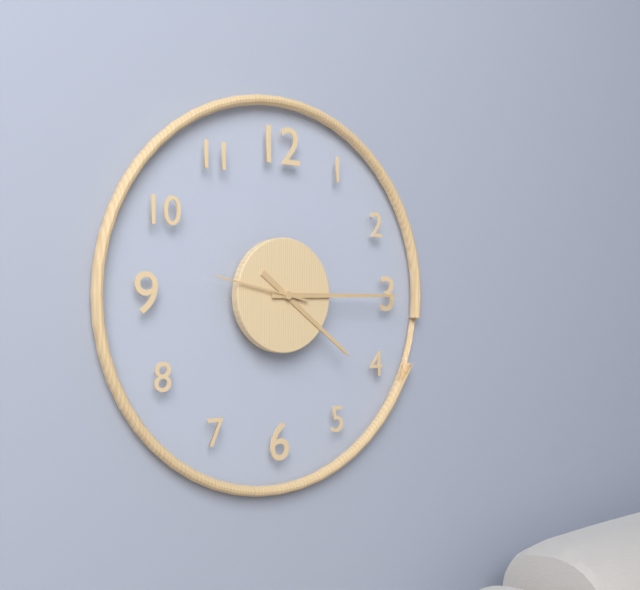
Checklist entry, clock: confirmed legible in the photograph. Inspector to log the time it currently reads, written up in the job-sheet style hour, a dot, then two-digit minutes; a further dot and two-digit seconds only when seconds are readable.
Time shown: 4.15.47
